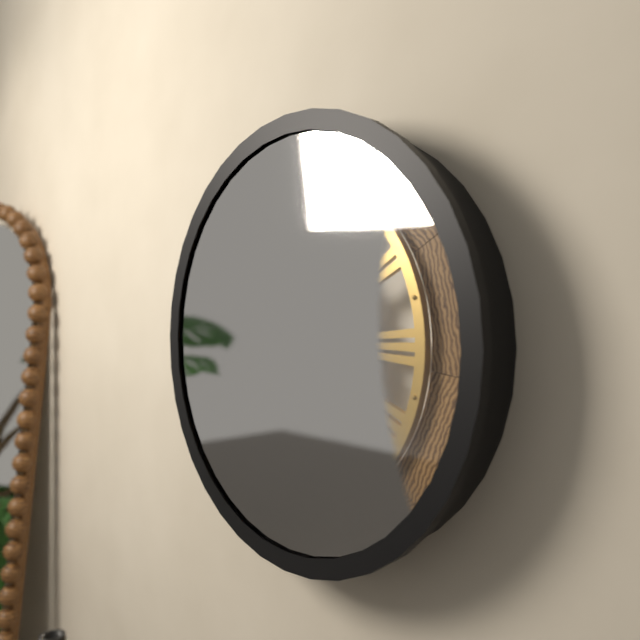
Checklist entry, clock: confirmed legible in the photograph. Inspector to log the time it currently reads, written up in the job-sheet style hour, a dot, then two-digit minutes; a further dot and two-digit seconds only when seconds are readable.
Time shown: 3.30
